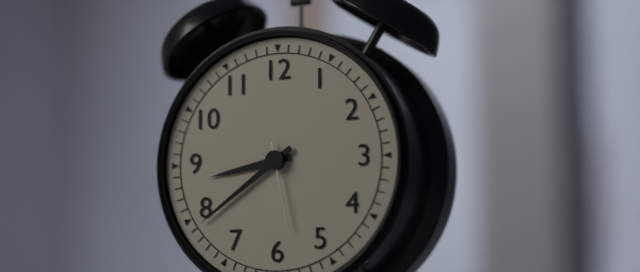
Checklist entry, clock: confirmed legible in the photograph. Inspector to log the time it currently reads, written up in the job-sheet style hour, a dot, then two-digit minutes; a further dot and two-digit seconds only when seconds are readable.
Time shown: 8.39.28
